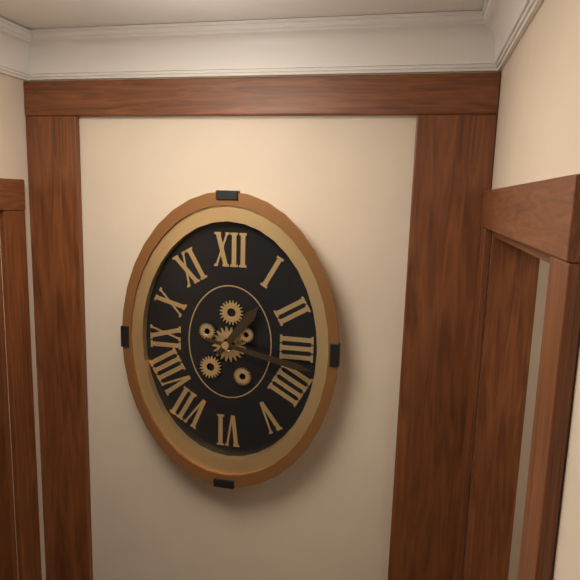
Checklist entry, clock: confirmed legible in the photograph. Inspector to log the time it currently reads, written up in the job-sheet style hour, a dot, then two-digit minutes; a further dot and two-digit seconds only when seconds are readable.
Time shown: 1.17
